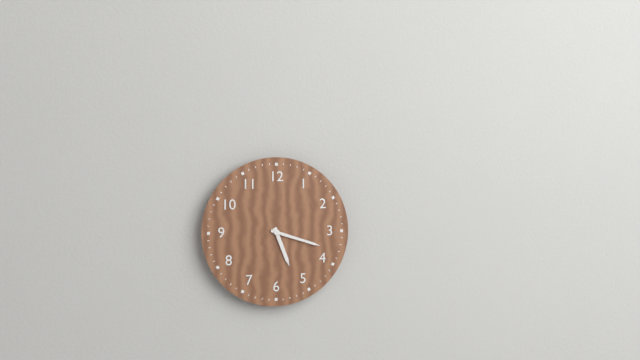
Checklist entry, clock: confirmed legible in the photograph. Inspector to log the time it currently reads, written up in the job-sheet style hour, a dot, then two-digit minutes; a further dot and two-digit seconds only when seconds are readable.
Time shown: 5.18
